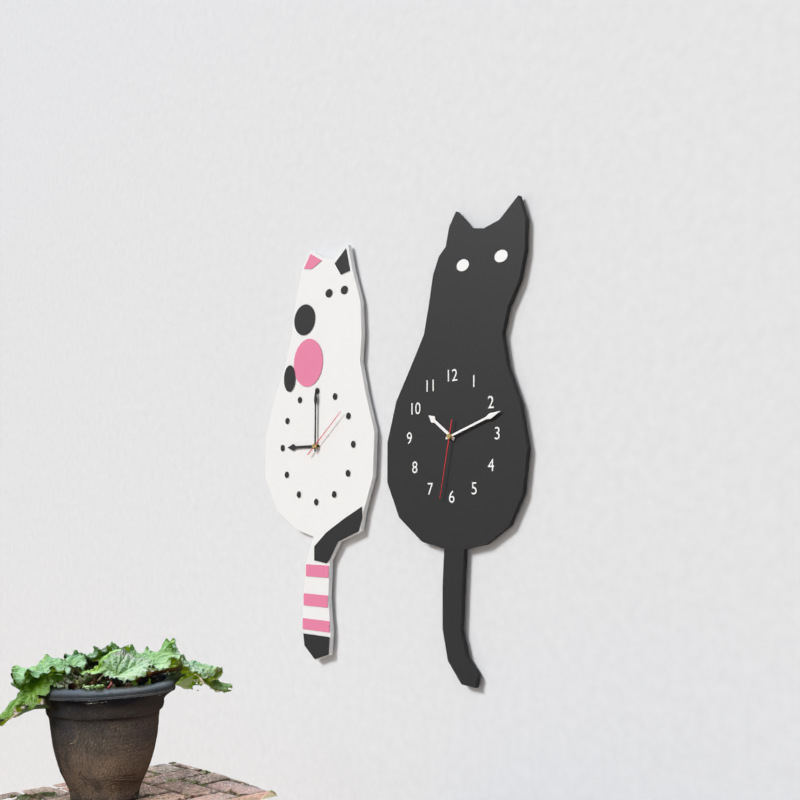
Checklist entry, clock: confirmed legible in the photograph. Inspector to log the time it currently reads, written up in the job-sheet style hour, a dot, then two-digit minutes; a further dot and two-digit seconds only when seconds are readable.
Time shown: 10.12.32
